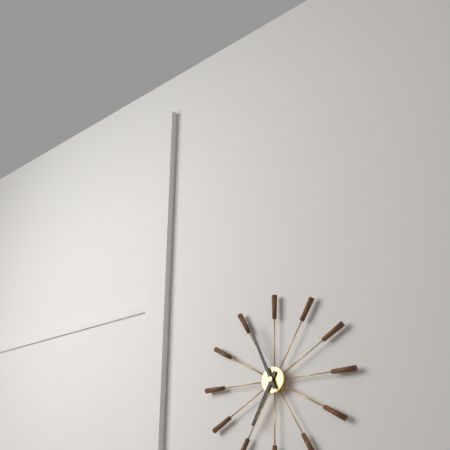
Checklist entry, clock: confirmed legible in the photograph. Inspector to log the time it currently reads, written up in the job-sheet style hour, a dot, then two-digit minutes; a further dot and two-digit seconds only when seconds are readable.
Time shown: 6.56
